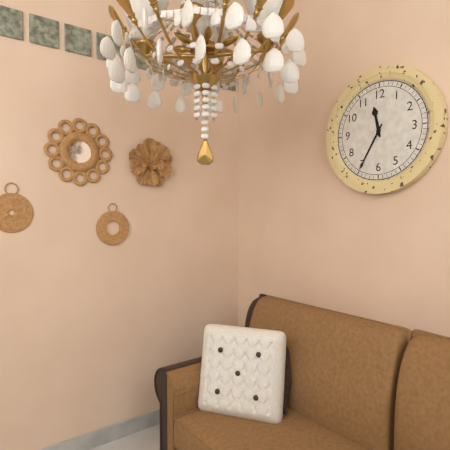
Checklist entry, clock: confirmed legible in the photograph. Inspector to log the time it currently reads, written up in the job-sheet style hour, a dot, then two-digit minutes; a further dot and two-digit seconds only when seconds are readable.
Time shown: 11.35
